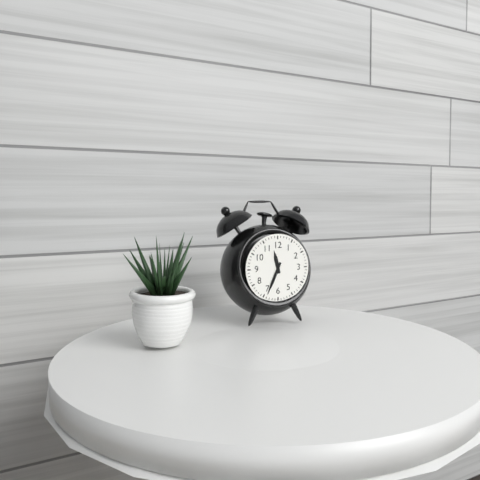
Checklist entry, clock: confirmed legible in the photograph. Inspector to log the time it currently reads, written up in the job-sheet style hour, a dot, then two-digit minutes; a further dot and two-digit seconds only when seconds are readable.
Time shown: 11.34
